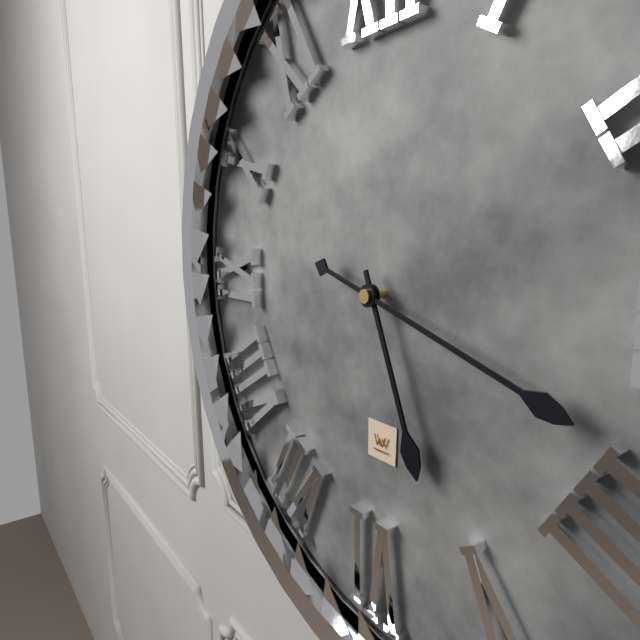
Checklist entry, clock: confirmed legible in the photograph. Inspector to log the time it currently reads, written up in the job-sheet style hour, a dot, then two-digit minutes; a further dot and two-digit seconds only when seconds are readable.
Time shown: 5.18
